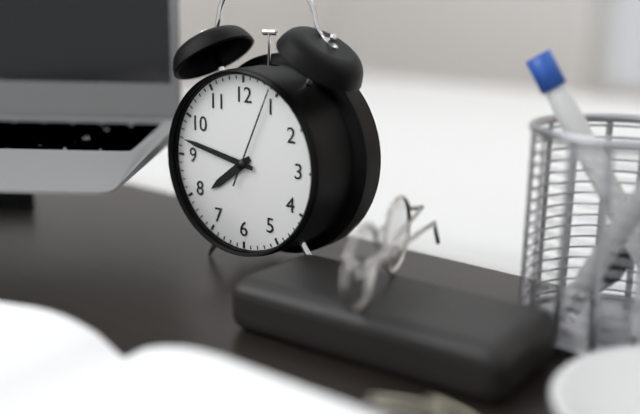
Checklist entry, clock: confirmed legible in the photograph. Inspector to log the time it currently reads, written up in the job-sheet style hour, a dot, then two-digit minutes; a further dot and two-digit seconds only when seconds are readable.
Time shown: 7.47.04
